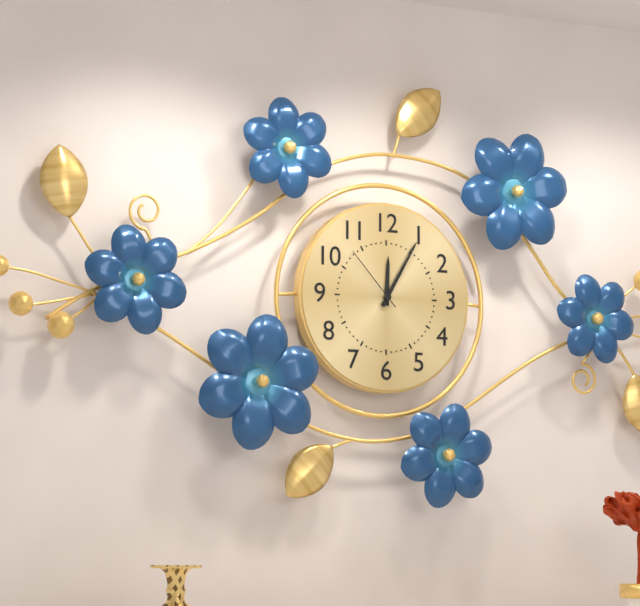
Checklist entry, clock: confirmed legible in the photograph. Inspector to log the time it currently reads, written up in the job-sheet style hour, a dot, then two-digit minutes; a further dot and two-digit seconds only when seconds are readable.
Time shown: 12.05.53
